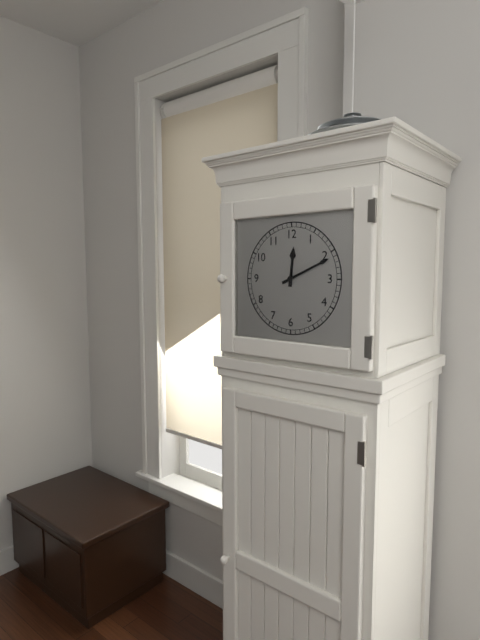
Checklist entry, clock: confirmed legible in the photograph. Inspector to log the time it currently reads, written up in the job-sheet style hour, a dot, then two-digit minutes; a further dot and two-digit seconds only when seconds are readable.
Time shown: 12.11
